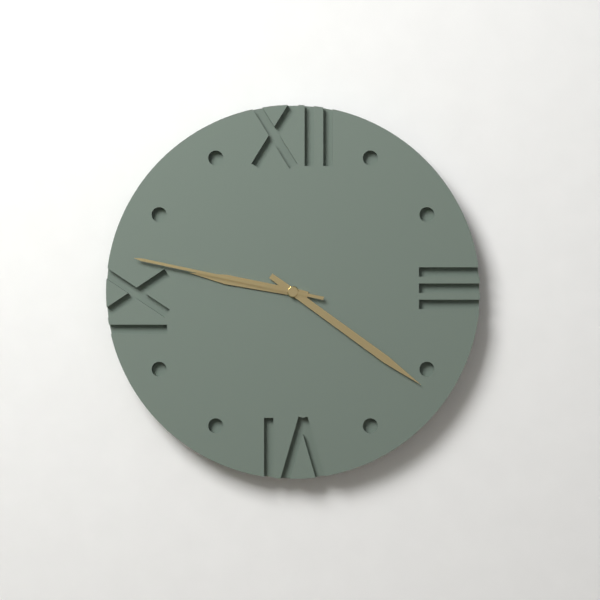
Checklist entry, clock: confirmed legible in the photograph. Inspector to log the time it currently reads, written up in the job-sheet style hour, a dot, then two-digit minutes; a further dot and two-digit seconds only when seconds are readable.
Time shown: 9.21.47
